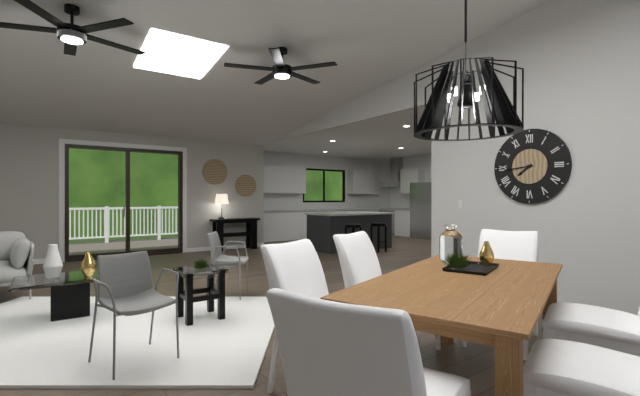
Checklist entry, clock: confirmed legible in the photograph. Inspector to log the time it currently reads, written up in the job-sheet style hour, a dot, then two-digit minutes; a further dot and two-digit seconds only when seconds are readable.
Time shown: 7.44
